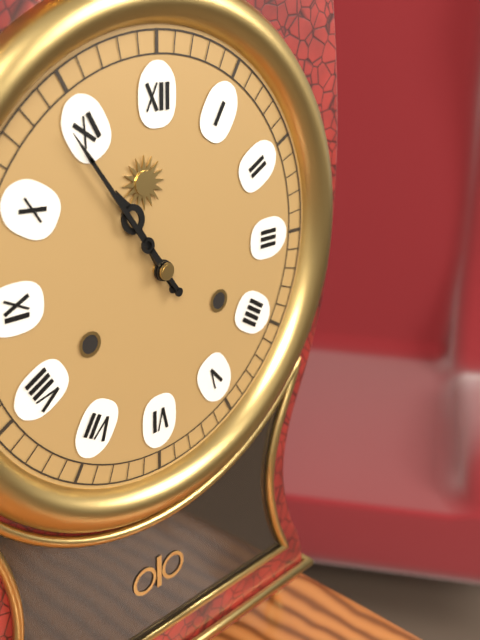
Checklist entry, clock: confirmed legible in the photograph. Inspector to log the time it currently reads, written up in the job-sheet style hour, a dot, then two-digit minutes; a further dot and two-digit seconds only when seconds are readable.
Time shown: 10.54
